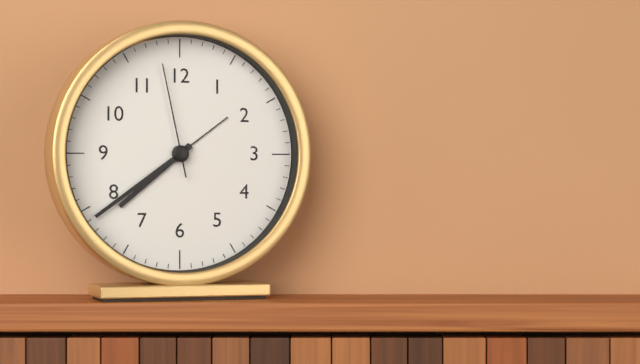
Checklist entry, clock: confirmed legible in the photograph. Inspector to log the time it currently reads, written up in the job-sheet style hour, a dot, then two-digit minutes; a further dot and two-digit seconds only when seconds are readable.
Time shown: 7.39.58
